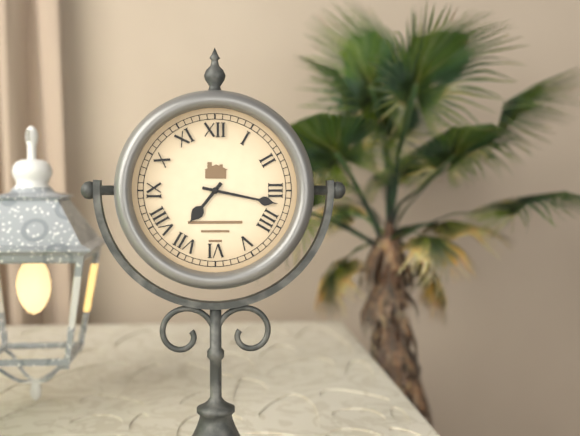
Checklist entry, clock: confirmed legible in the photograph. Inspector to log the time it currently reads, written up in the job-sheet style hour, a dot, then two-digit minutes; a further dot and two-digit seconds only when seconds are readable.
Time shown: 7.17
